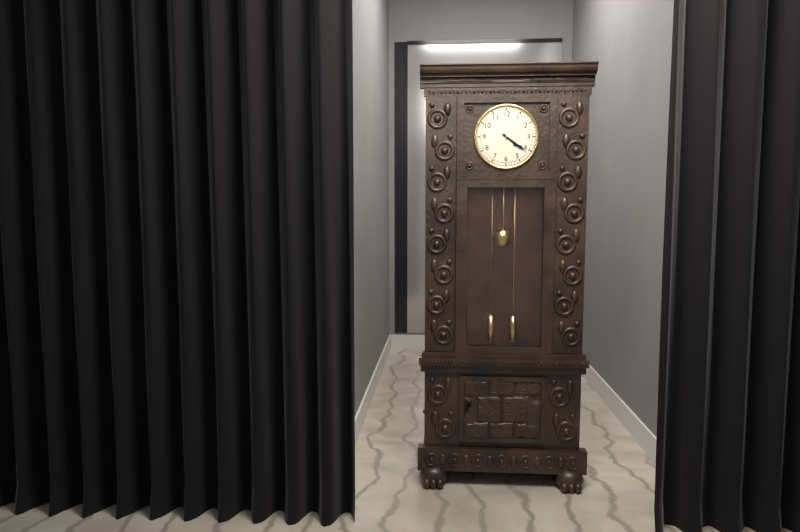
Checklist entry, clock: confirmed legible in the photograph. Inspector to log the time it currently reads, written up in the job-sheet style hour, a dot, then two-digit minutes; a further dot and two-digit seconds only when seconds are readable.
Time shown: 4.21
